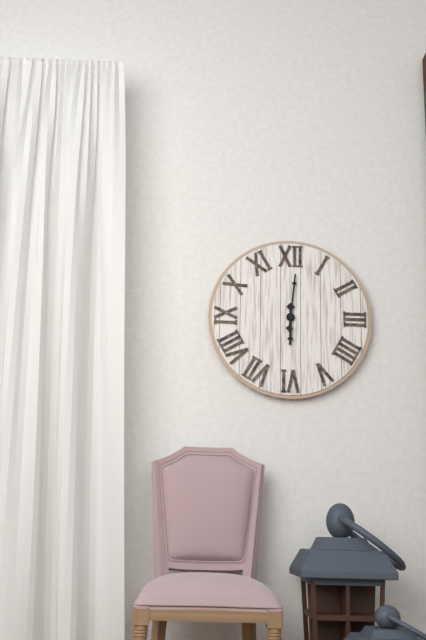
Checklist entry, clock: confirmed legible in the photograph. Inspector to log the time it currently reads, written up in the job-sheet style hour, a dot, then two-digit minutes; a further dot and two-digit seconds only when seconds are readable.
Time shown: 6.01
